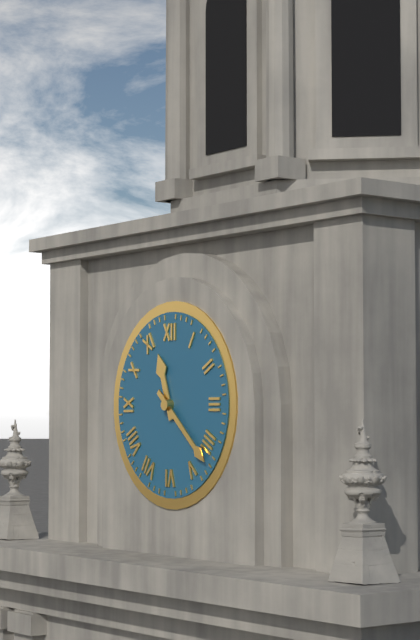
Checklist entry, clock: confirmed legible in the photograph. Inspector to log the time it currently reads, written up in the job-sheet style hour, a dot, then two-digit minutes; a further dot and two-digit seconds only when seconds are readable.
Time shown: 11.22
